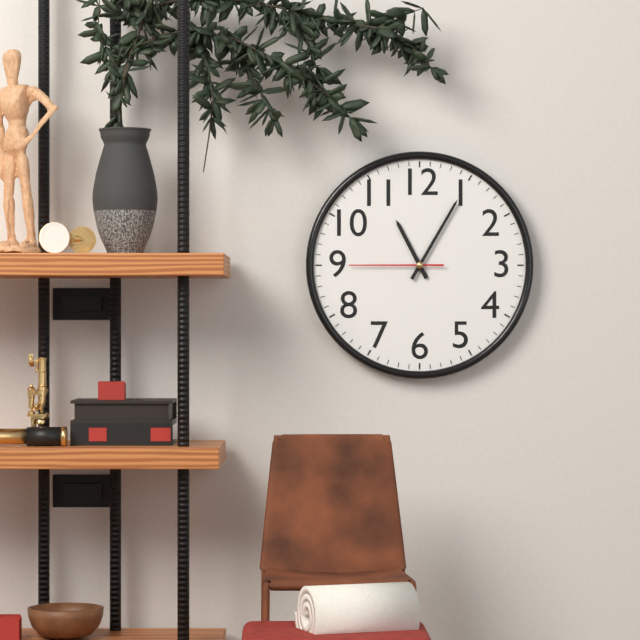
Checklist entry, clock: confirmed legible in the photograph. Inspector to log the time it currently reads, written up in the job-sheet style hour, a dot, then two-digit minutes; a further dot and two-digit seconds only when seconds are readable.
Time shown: 11.05.45
